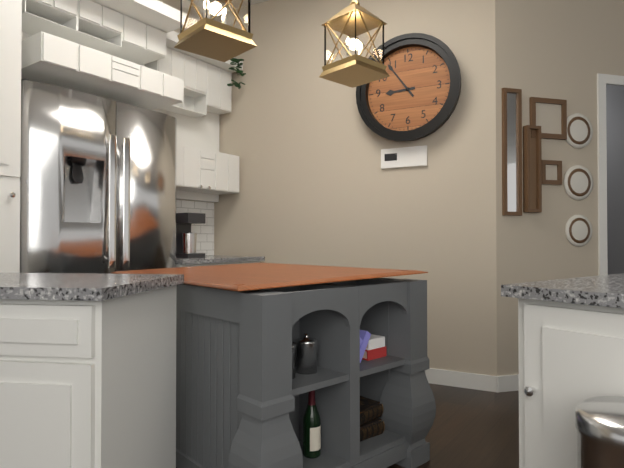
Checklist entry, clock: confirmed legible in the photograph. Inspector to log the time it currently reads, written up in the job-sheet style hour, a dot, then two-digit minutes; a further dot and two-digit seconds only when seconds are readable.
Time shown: 8.54
